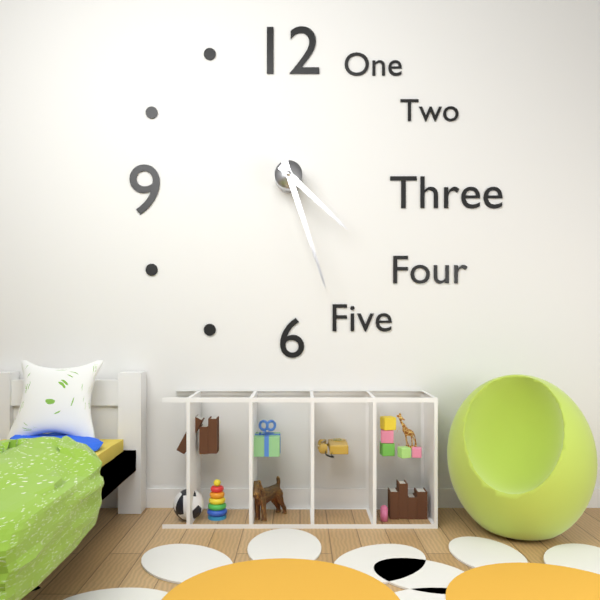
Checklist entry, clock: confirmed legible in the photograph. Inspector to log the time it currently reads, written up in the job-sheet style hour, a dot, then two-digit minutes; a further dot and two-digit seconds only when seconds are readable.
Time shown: 4.27
